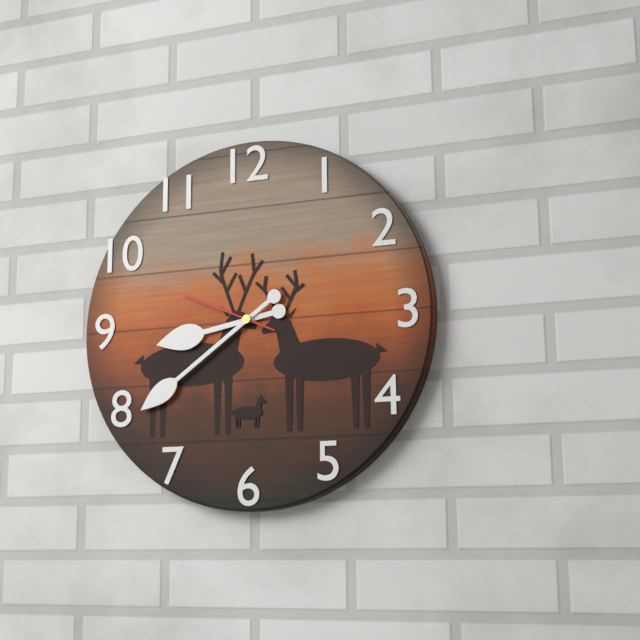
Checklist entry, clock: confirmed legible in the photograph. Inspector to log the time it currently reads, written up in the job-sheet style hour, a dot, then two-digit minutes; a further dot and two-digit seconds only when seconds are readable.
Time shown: 8.39.49
